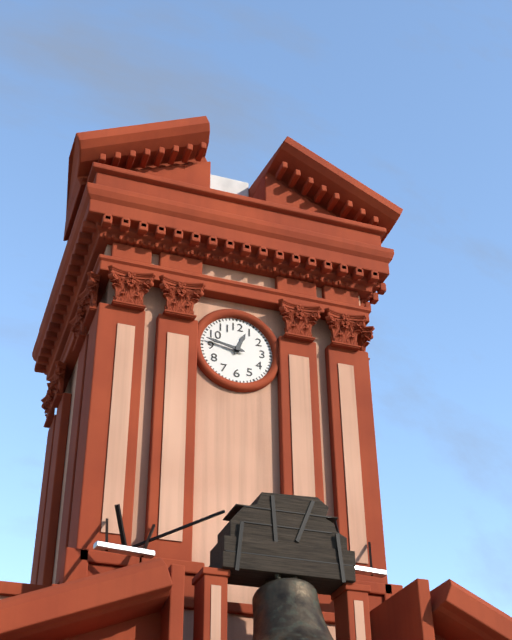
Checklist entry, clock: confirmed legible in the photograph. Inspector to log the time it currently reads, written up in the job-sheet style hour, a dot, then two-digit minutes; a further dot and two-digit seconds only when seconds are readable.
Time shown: 12.47
